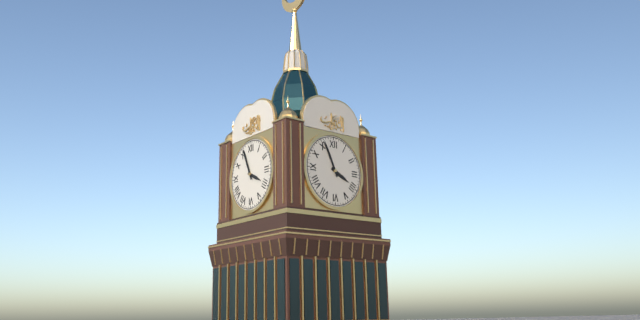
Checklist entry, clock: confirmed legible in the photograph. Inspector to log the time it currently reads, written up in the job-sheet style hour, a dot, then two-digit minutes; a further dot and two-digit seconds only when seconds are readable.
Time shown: 3.56
